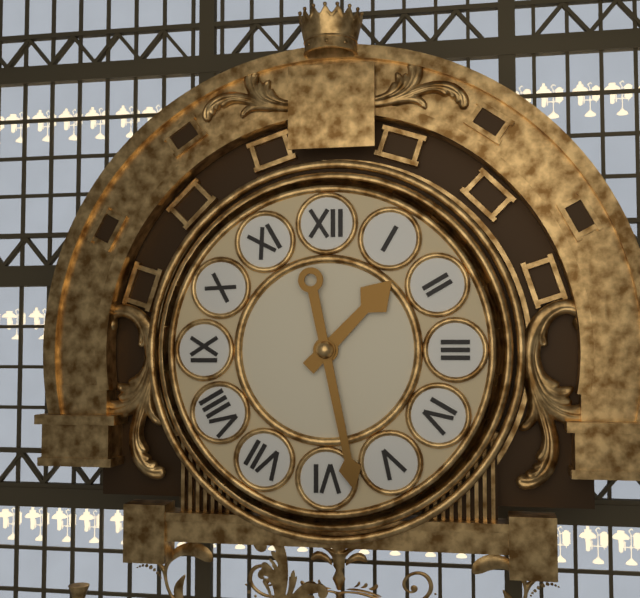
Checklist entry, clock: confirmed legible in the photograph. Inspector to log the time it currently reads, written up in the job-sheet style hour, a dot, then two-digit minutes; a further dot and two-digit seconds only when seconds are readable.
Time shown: 1.28
